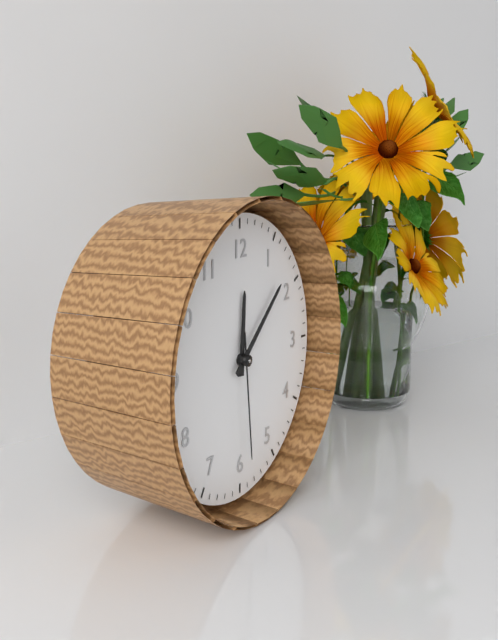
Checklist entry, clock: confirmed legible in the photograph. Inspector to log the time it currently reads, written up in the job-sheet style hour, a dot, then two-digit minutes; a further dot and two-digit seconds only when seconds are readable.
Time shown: 12.08.29
